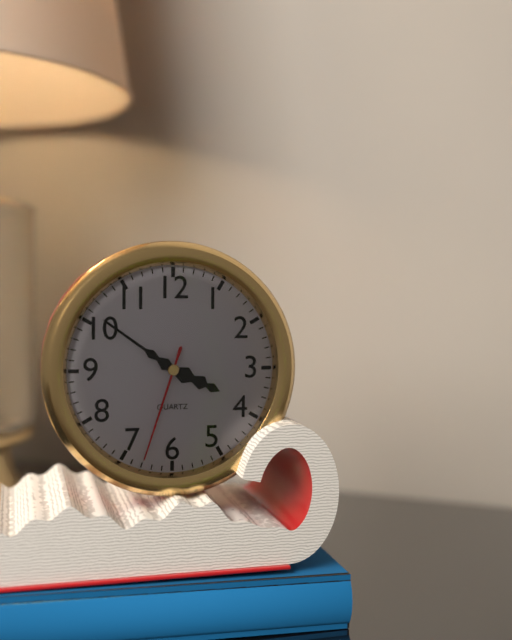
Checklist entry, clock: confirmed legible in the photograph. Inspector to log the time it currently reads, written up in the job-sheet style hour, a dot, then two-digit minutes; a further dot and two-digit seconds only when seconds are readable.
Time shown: 3.51.33
